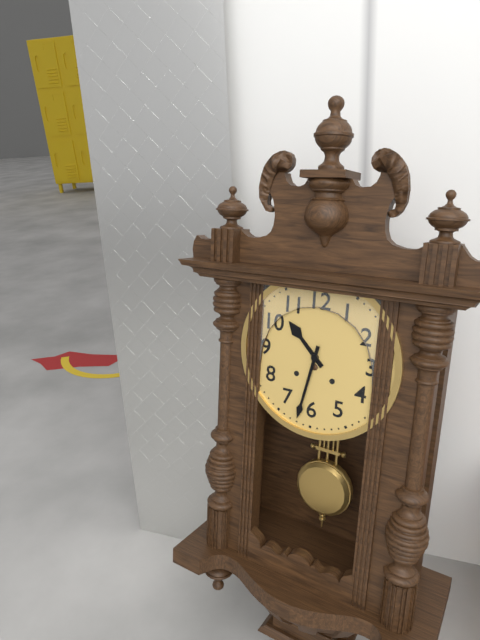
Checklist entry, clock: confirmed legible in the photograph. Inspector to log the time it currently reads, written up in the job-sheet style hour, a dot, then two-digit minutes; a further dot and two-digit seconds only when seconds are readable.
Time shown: 10.32
